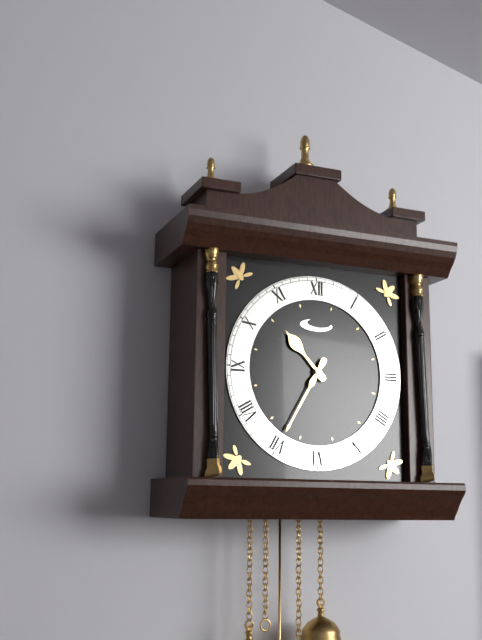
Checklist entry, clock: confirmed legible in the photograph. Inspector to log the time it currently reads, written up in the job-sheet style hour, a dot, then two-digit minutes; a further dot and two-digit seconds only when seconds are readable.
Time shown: 10.35
